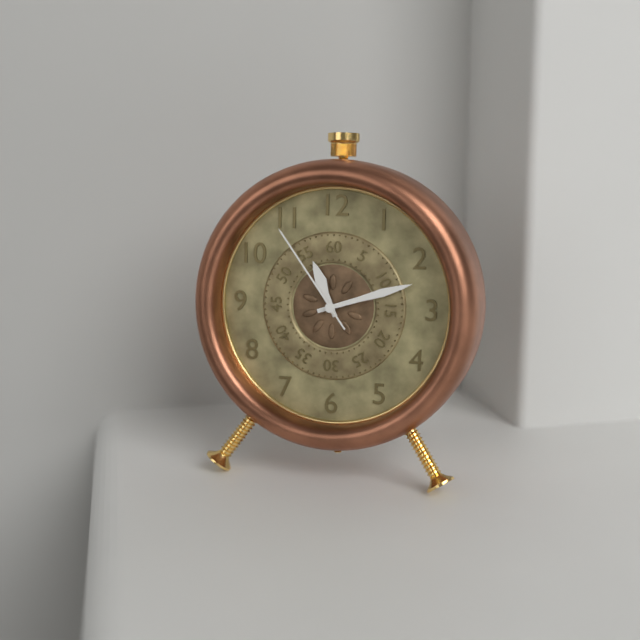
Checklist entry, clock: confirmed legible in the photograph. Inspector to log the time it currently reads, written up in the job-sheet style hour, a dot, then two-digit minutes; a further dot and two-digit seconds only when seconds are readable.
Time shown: 11.12.54
